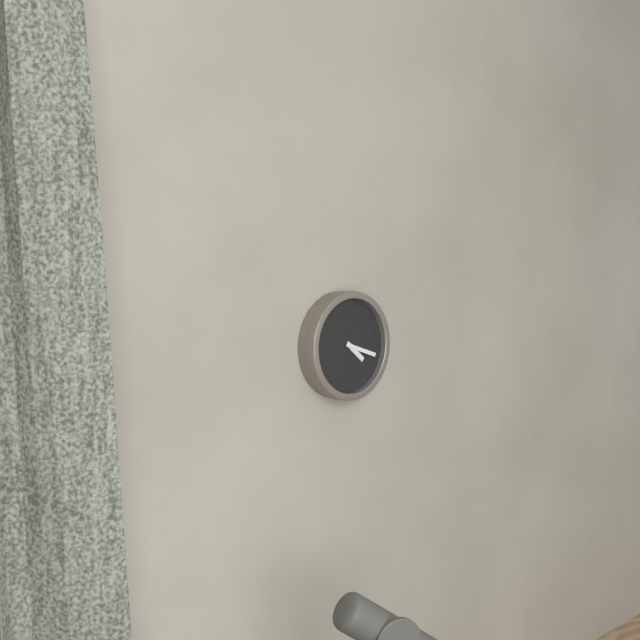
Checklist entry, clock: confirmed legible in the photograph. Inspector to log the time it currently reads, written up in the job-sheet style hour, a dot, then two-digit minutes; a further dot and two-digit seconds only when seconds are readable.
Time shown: 4.18
